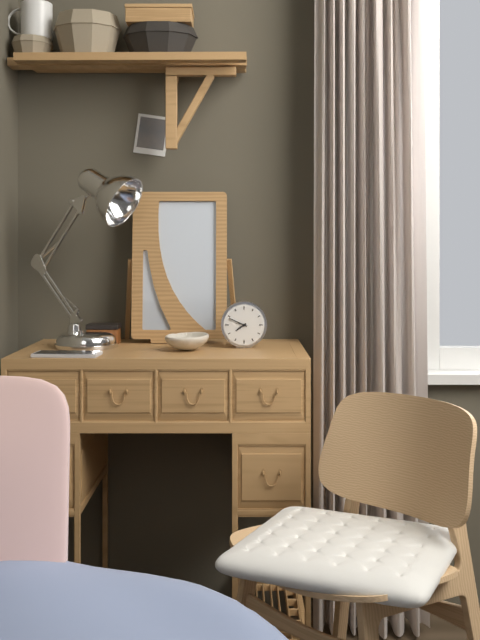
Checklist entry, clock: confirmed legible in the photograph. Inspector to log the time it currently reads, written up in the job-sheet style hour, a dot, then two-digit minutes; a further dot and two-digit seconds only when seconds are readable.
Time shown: 7.49
